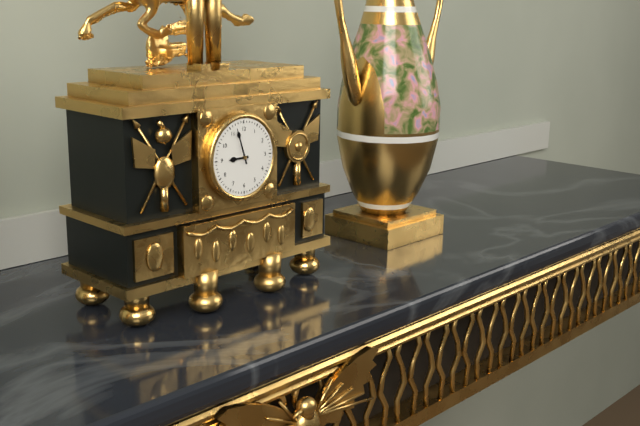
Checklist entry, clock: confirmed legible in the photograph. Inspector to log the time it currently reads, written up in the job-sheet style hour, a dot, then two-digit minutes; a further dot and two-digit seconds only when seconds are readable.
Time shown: 8.57
